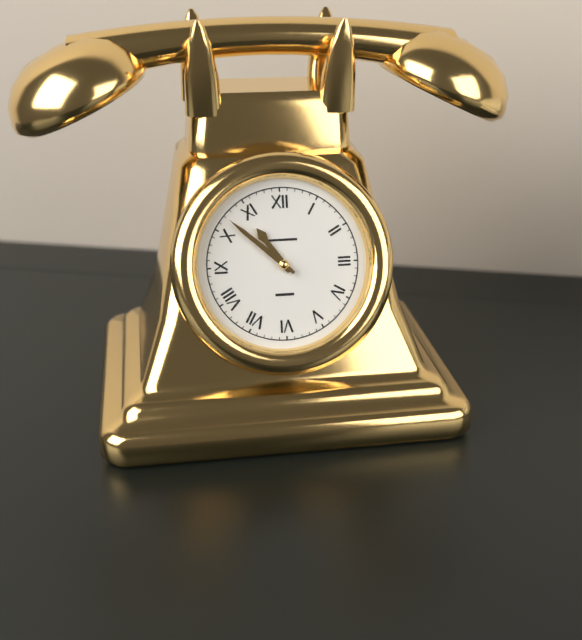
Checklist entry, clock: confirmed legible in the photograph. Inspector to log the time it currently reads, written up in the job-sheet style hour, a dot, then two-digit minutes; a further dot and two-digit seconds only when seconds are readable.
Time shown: 10.52
